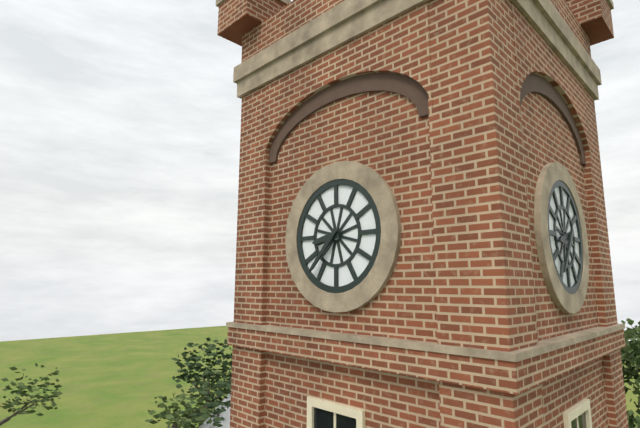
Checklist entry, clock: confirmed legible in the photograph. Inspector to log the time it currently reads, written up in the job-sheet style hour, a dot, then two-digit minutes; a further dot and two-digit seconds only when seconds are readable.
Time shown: 8.37
